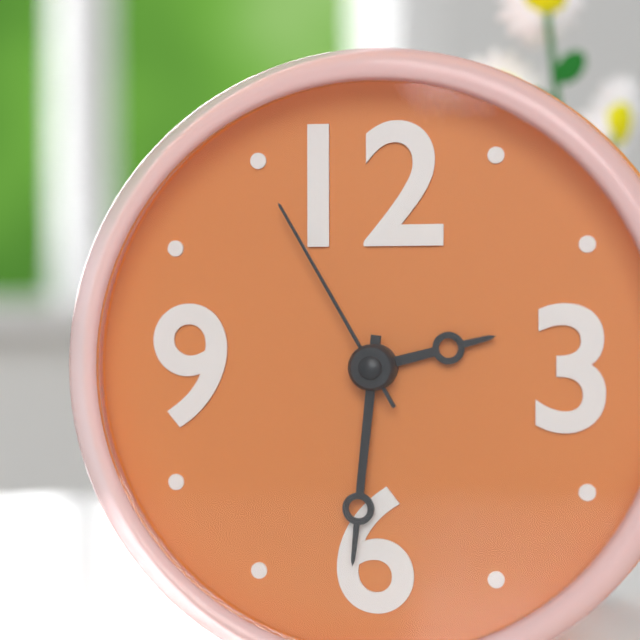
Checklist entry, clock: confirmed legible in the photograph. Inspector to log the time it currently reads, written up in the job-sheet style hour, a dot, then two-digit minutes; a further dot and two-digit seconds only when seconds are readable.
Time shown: 2.31.55
